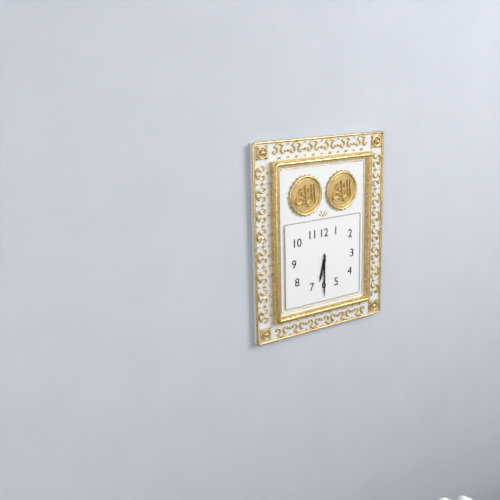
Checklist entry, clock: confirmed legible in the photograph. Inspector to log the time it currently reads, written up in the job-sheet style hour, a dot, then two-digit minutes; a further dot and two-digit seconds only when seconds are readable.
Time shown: 6.30
